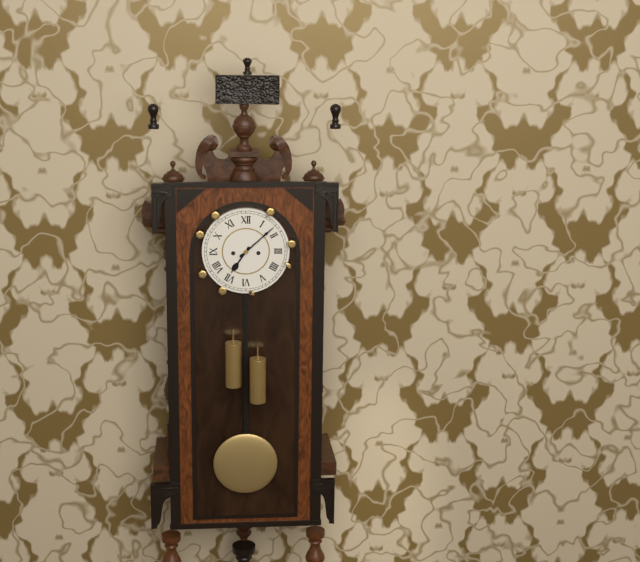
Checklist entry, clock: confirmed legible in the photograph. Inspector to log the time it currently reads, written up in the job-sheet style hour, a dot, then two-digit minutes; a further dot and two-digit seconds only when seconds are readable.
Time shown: 7.08
